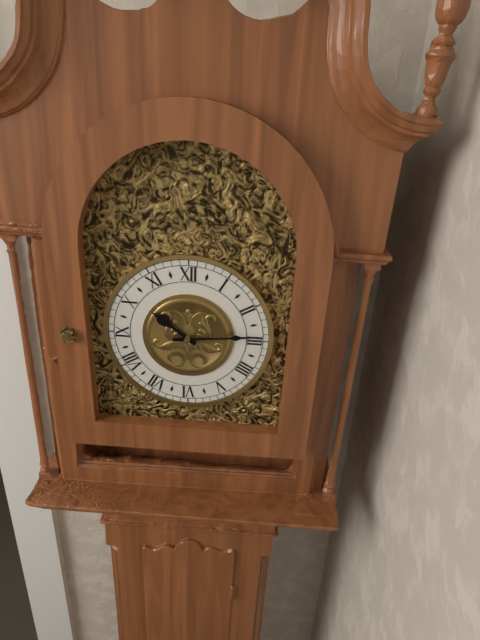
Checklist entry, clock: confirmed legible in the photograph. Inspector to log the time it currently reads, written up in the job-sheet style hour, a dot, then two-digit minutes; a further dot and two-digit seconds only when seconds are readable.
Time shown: 10.14
